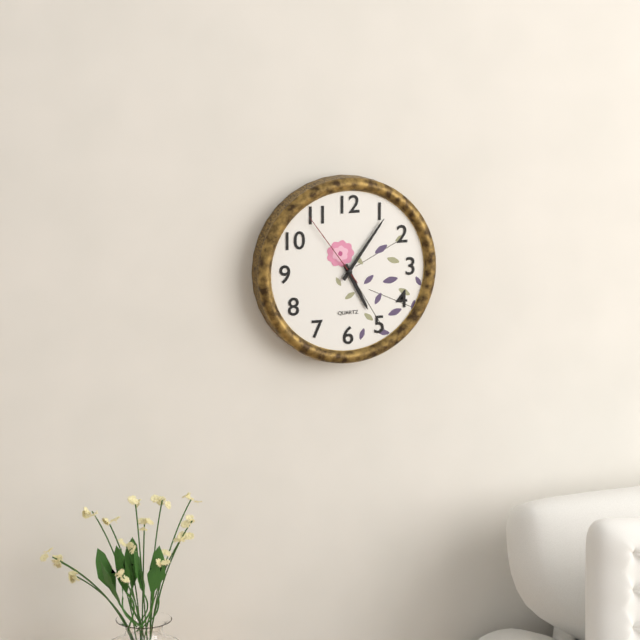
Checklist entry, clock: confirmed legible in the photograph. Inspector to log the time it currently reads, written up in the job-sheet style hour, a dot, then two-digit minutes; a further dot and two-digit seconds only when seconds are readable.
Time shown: 5.06.54
